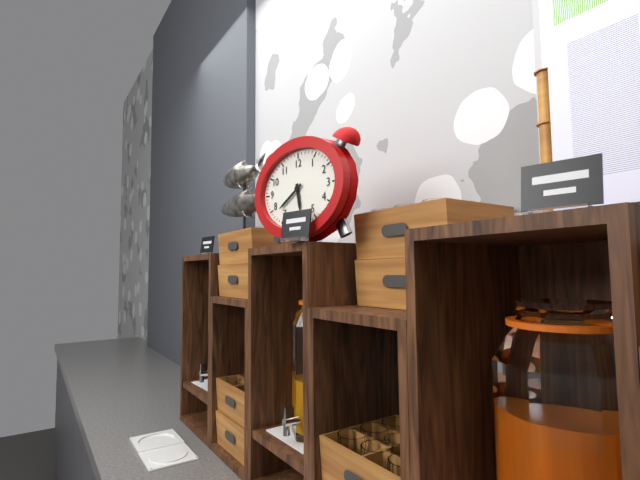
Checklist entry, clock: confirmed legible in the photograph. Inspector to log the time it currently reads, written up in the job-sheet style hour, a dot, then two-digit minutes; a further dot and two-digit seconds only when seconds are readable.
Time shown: 5.40
